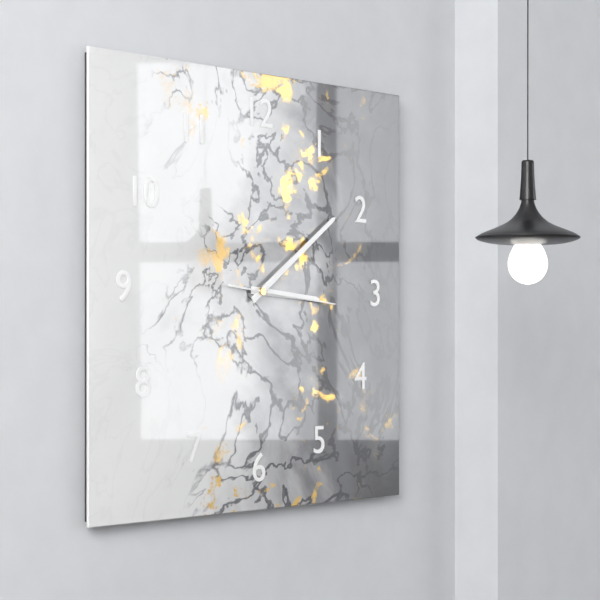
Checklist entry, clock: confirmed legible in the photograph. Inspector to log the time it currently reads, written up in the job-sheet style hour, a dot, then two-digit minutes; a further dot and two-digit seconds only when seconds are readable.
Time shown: 3.09.16
